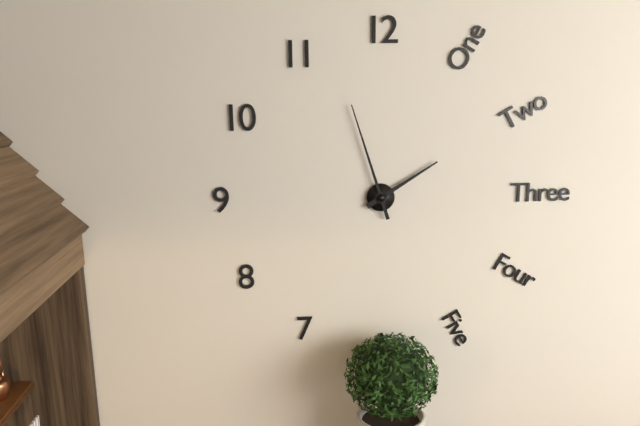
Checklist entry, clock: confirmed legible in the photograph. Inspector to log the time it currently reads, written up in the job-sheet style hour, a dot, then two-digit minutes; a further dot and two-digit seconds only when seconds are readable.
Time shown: 1.57
